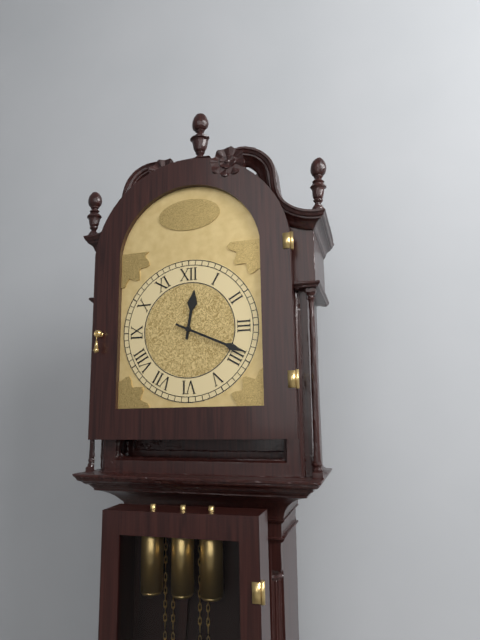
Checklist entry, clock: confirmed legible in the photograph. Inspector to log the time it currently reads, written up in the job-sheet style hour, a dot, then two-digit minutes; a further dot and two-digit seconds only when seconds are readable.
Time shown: 12.19
